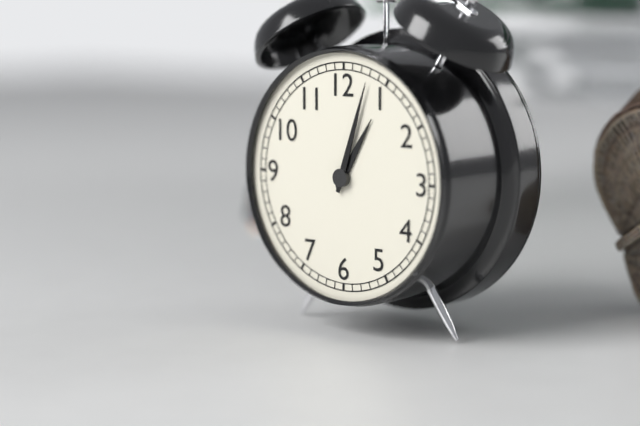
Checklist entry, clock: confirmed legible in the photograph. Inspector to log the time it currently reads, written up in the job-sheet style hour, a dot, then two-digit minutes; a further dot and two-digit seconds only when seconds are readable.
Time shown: 1.03
